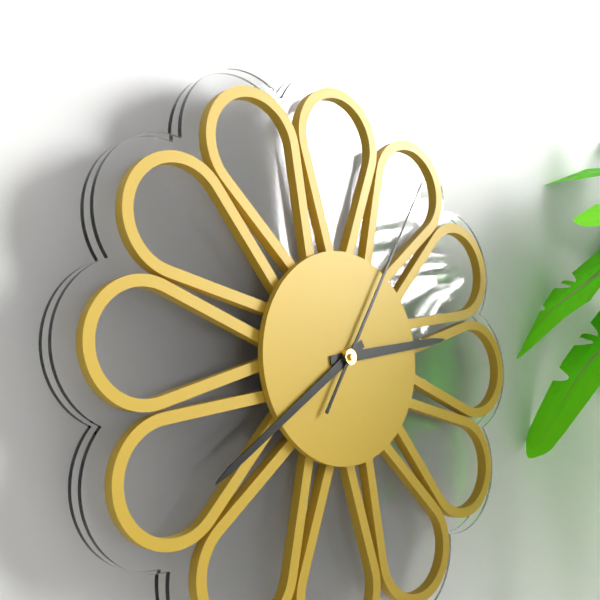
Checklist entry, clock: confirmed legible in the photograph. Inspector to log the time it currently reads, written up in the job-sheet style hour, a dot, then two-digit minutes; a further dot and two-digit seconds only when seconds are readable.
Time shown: 2.39.05
